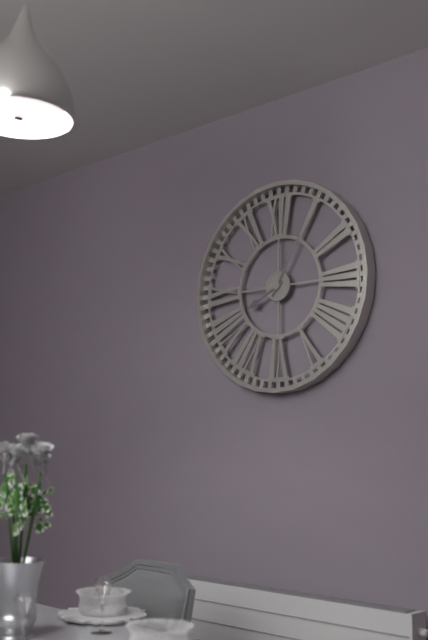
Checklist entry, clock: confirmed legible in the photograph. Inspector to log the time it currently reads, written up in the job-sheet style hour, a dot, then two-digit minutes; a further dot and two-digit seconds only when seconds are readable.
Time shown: 8.05
